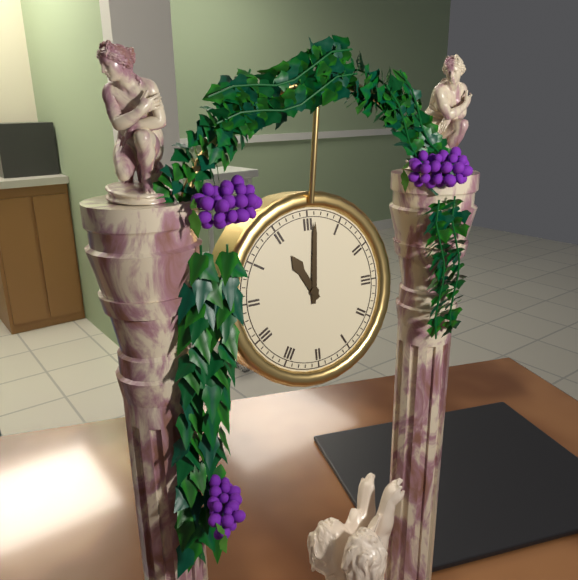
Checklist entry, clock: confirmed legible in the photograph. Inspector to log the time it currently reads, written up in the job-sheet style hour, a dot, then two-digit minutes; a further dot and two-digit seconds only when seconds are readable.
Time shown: 11.01
